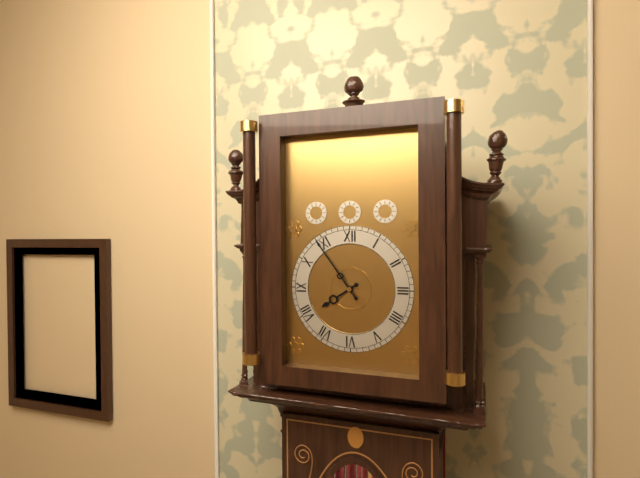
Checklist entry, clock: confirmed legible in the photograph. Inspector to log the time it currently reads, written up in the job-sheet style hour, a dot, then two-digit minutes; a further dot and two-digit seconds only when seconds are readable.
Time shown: 7.54
